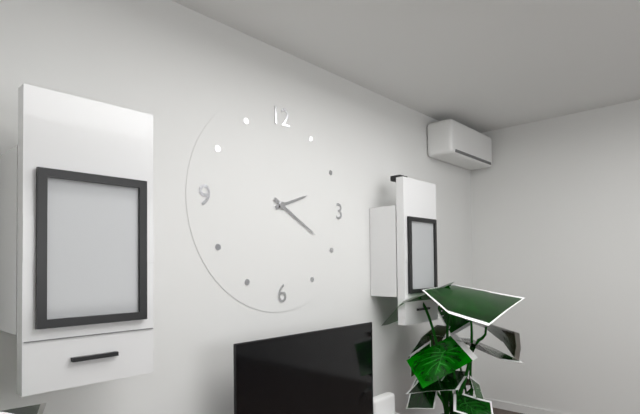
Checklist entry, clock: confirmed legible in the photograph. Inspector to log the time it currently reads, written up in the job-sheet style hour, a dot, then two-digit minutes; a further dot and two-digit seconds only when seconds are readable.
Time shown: 2.20
